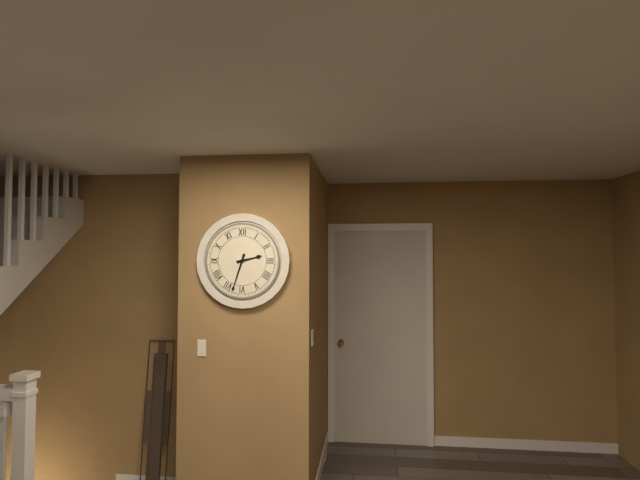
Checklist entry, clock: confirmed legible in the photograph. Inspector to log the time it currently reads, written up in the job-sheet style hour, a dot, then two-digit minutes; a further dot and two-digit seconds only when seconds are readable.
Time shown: 2.33
